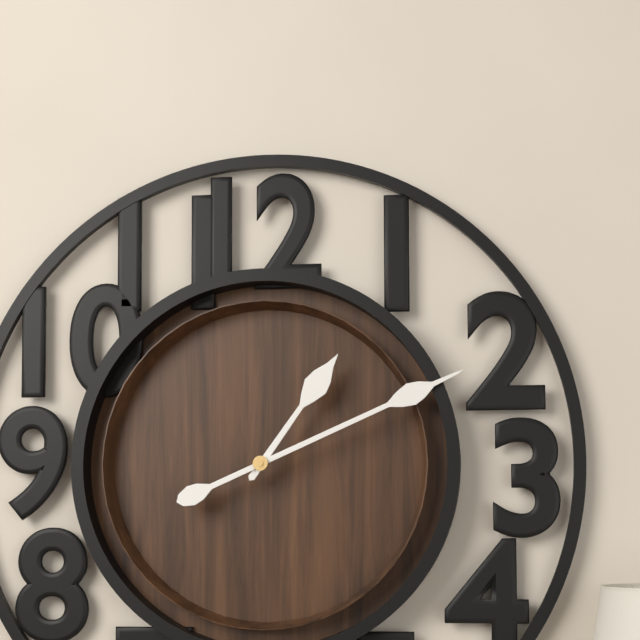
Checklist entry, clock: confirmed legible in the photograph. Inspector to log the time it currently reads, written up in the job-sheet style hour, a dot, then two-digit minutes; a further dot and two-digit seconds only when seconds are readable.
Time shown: 1.11
